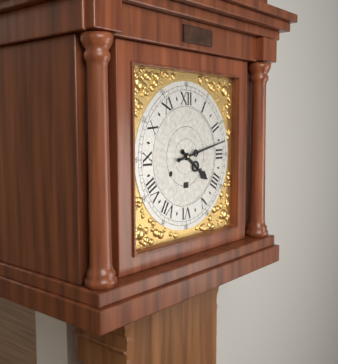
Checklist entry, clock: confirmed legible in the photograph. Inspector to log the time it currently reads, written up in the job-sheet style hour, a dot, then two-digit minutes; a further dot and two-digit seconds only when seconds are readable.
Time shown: 4.13
